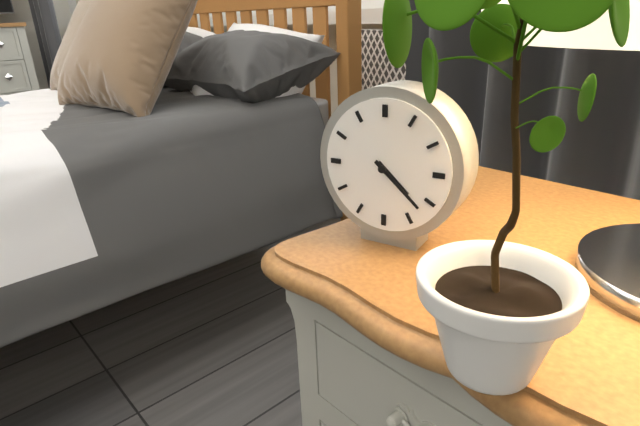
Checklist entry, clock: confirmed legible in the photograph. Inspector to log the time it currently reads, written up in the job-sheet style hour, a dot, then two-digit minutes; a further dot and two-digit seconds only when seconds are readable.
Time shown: 4.22
